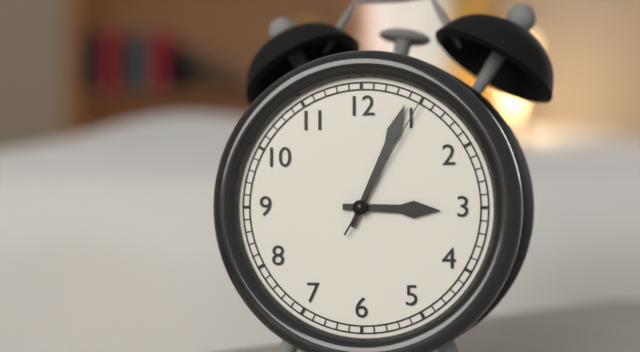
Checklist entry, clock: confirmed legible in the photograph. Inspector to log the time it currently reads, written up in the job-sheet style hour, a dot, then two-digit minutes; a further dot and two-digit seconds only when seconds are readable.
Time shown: 3.04.05
